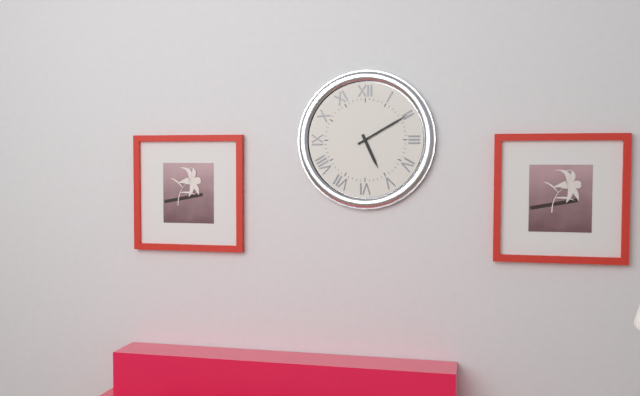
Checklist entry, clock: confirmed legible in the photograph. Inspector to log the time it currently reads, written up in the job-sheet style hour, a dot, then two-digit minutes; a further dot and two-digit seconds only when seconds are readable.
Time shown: 5.10
